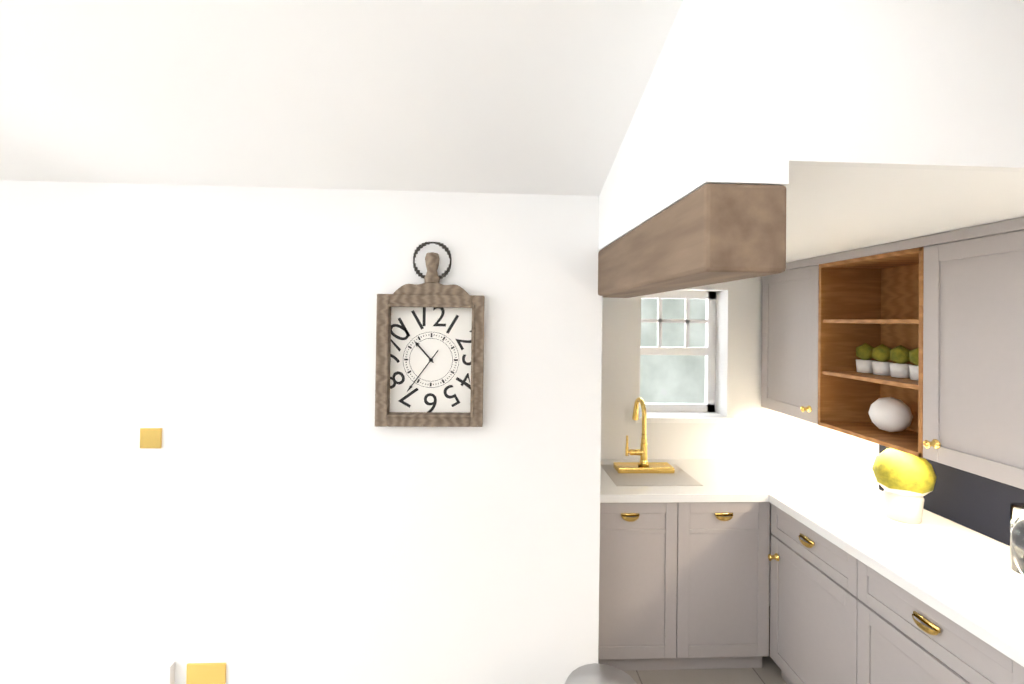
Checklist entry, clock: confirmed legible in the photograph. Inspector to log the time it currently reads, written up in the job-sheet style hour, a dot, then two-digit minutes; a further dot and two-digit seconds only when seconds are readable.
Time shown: 10.36
